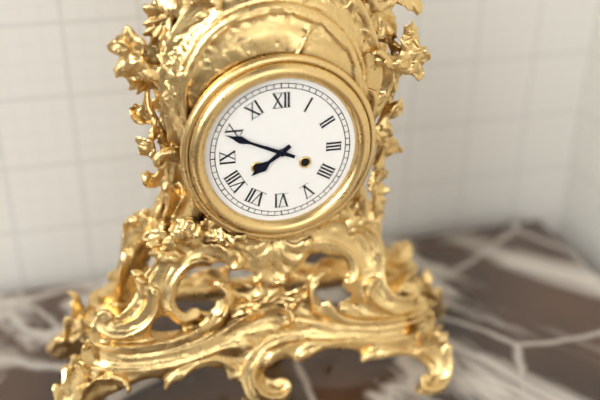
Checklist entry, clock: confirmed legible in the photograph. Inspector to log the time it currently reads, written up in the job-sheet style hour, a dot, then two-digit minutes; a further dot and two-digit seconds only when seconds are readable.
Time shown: 7.49
